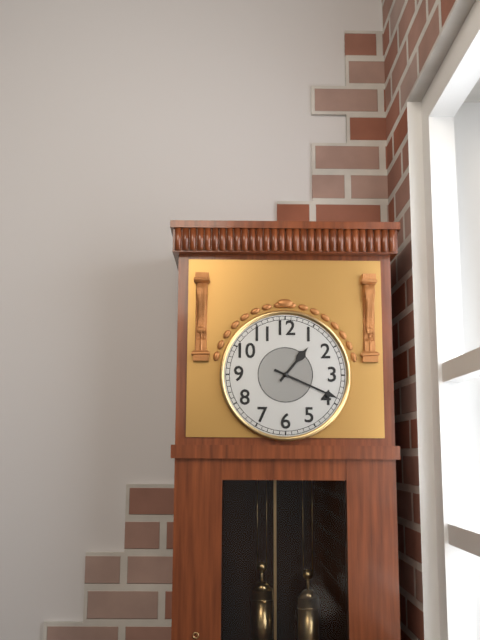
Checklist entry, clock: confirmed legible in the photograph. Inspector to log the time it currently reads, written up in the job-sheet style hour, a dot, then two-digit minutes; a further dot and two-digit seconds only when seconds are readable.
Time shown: 1.19
